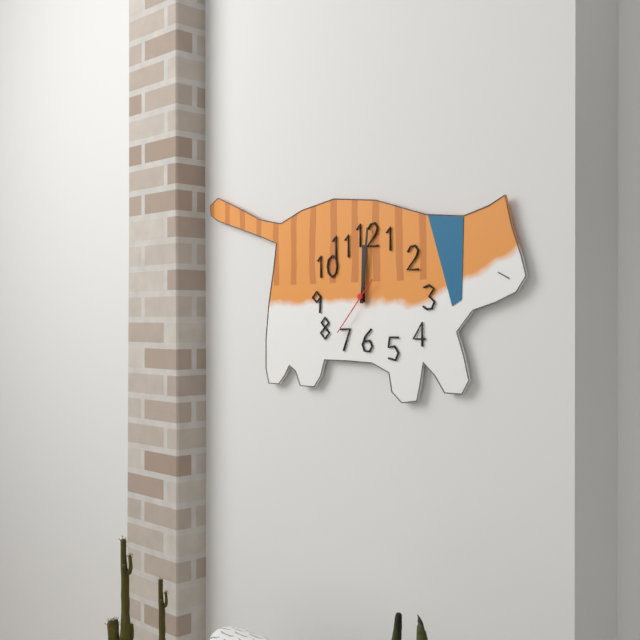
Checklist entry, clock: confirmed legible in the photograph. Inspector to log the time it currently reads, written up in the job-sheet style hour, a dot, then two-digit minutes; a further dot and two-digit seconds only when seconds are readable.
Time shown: 12.01.37
